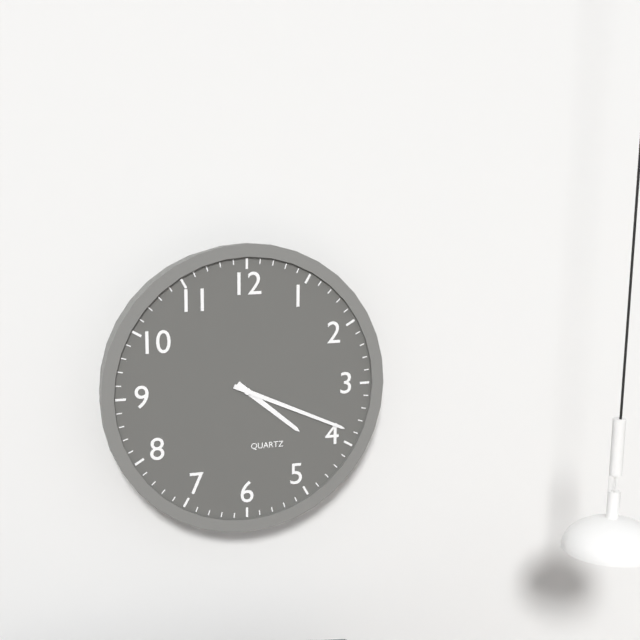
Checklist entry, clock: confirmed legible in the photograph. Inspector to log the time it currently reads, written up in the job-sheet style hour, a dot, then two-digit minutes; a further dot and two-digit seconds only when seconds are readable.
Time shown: 4.19
